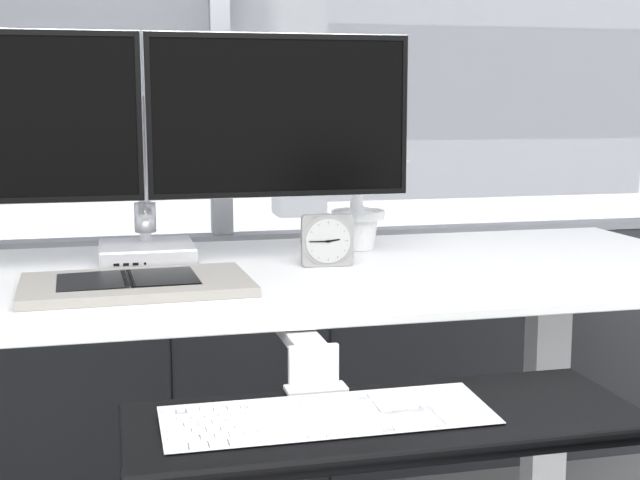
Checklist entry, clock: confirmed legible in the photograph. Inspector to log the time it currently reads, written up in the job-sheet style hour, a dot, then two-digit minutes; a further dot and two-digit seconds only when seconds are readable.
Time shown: 2.45
